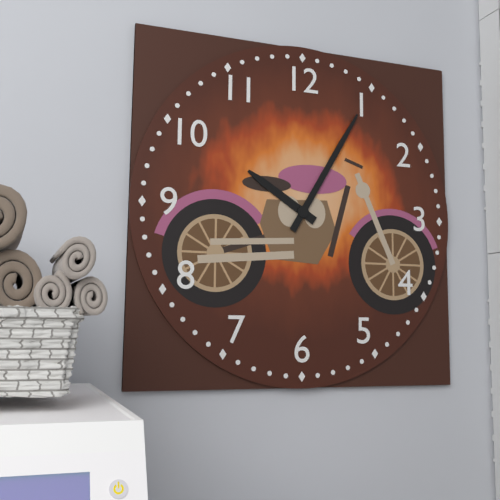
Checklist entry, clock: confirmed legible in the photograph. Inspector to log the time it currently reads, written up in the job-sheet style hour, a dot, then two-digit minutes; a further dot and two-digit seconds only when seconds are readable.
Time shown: 10.05
